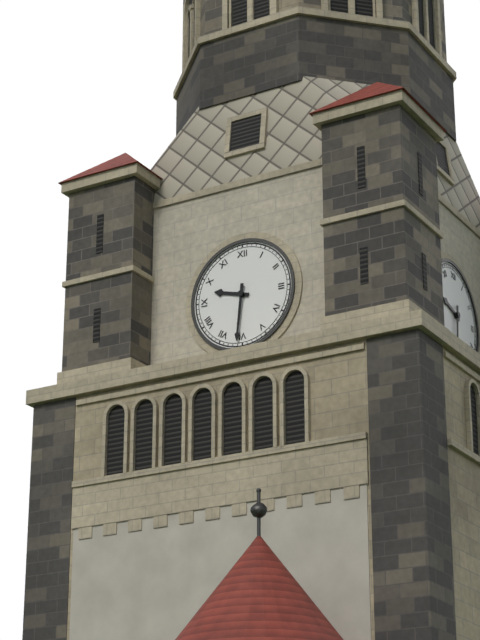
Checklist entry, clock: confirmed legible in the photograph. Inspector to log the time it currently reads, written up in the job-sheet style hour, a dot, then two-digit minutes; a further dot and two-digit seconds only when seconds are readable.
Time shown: 9.31
